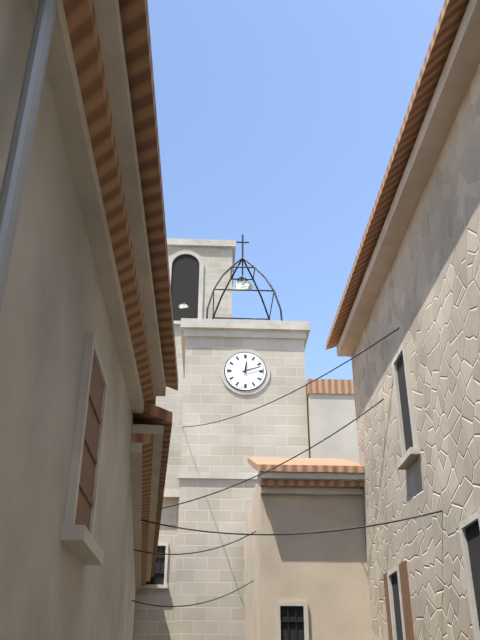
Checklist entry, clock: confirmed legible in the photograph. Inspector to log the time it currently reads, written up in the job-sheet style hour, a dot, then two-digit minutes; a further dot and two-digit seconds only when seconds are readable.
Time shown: 12.12
